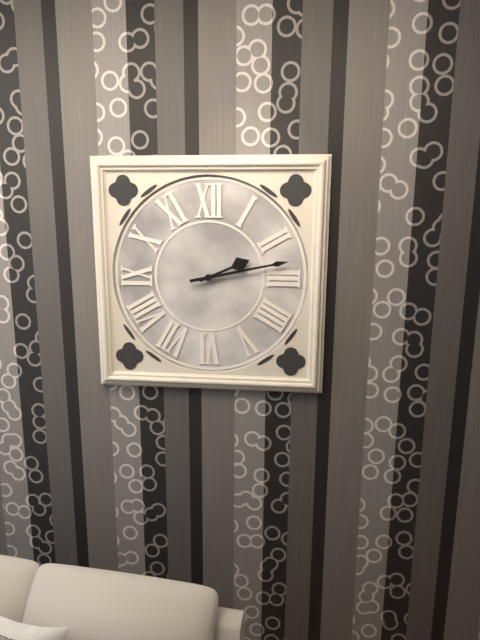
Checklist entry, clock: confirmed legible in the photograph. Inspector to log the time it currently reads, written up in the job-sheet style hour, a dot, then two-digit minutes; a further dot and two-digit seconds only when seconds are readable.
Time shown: 2.13
